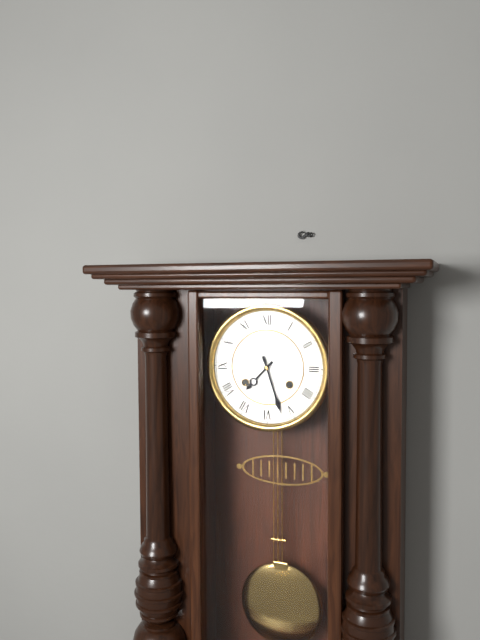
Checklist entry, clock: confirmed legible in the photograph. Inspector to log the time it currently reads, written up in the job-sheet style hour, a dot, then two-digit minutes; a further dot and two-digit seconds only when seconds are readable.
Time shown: 7.27
